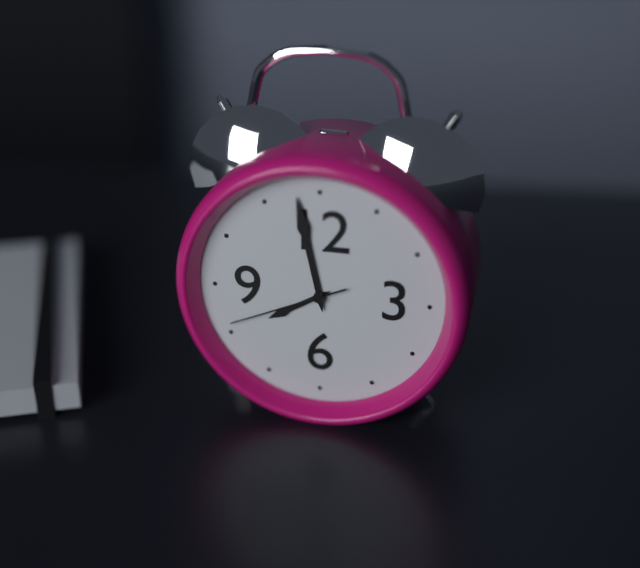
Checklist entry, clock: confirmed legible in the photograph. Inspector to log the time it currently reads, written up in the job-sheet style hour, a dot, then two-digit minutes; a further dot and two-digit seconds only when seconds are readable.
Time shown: 7.58.41
